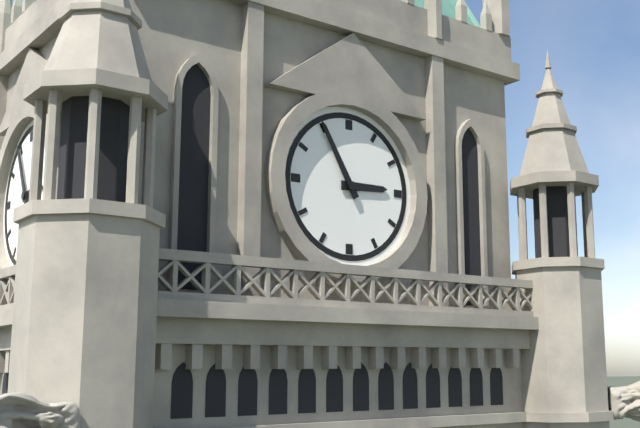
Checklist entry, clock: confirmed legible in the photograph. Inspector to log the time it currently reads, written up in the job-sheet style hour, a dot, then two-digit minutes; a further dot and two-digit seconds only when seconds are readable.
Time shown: 2.55
